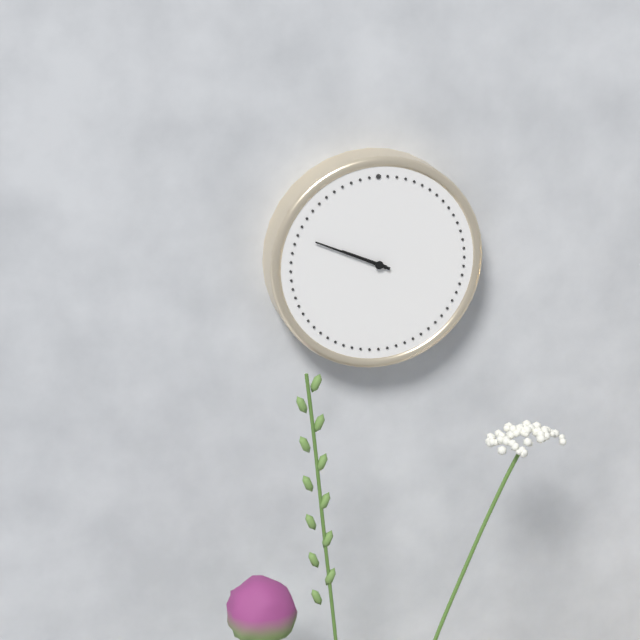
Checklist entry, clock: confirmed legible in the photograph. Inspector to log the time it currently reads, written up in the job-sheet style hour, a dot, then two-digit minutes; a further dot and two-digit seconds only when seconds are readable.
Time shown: 9.49
